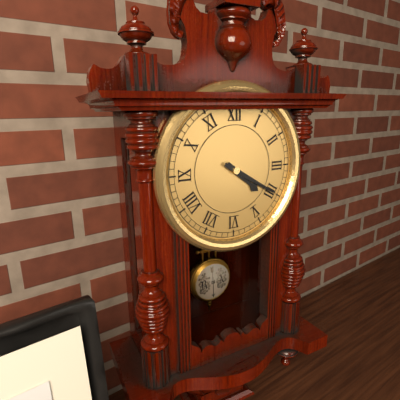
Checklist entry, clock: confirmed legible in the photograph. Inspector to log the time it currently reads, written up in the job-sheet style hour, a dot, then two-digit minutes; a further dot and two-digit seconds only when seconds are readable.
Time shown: 4.20
